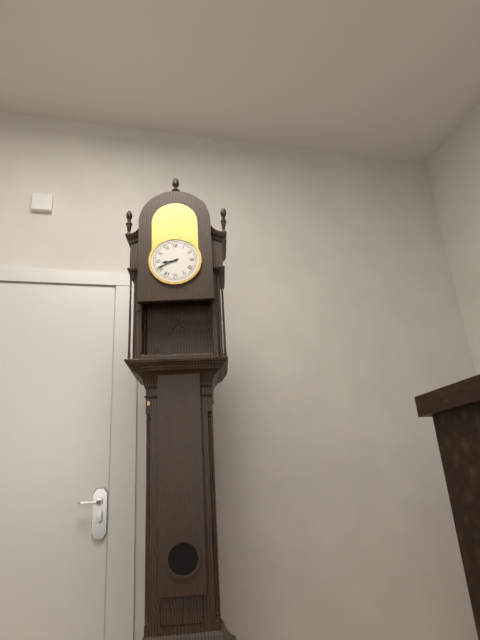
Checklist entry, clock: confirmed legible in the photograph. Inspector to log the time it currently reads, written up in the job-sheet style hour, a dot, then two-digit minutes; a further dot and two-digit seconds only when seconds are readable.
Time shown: 8.41
